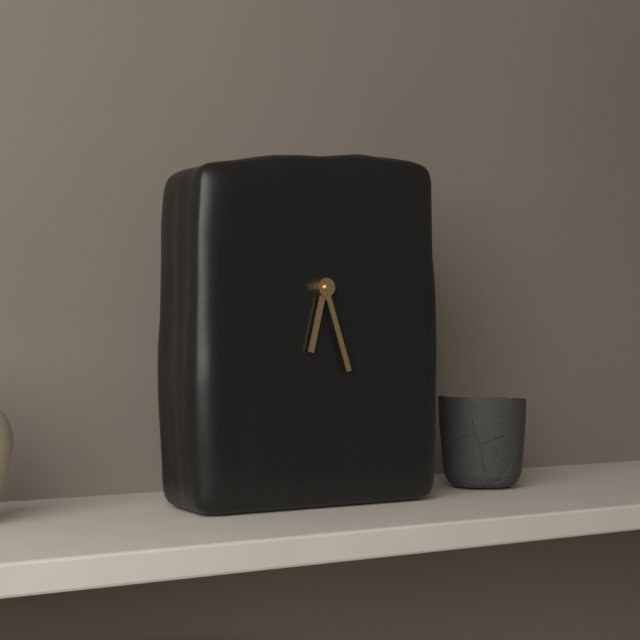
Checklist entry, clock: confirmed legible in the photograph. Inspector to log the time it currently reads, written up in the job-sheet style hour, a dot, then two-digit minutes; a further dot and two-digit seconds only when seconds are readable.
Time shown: 6.27
